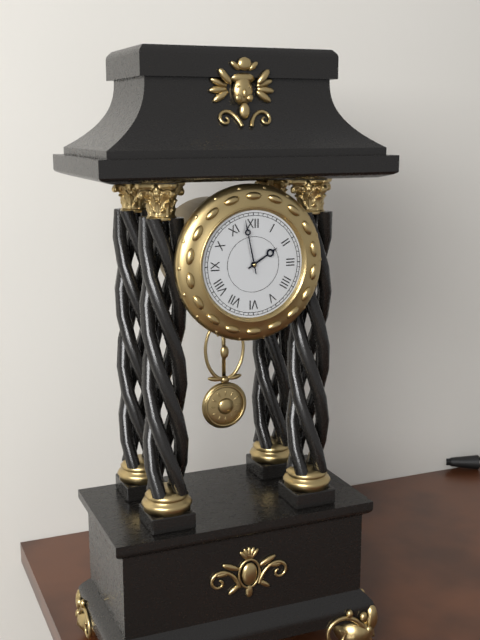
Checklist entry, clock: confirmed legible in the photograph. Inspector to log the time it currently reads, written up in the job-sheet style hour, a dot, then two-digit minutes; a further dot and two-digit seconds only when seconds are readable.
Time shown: 1.58
